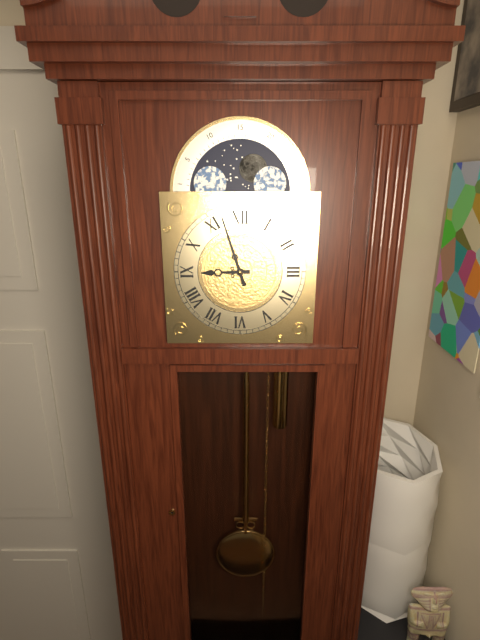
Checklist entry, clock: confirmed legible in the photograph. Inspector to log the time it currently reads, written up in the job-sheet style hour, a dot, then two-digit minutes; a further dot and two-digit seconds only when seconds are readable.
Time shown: 8.57
